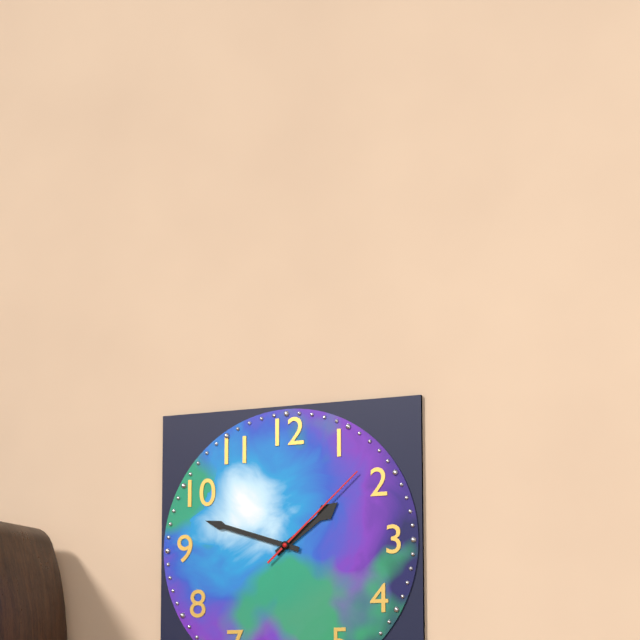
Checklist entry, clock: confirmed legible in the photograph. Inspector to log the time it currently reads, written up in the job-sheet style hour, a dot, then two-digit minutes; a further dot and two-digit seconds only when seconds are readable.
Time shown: 1.48.08
